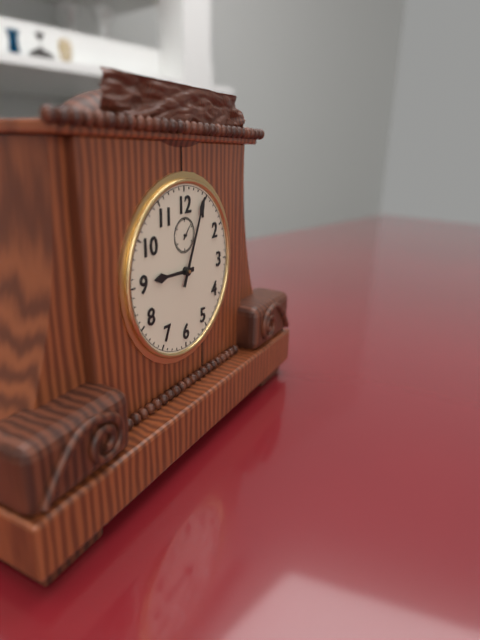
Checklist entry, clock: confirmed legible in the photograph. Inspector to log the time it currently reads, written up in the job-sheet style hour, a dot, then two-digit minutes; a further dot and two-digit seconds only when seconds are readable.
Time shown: 9.04
